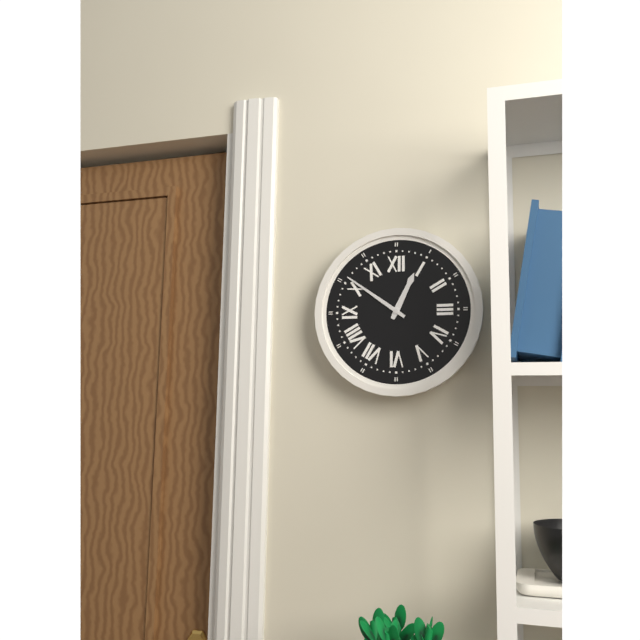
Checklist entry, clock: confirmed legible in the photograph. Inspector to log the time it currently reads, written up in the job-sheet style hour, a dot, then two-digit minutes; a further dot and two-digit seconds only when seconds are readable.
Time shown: 12.51
